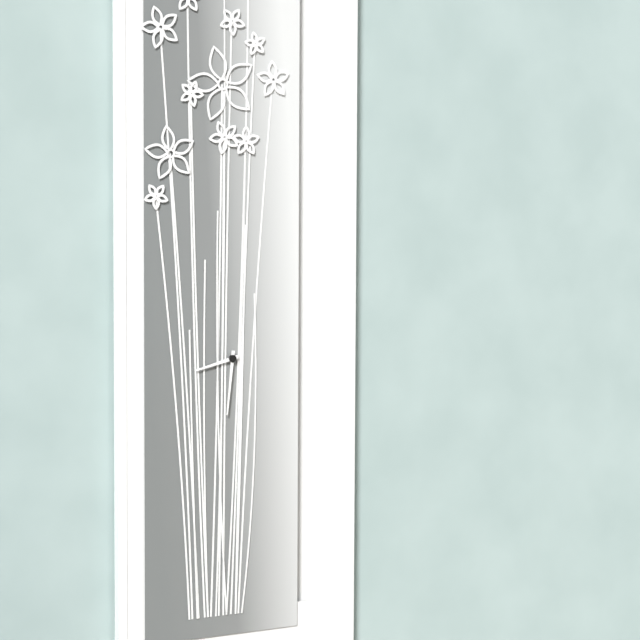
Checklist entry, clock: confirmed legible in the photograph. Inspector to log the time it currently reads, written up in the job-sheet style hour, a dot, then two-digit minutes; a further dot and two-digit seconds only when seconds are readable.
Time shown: 8.31
